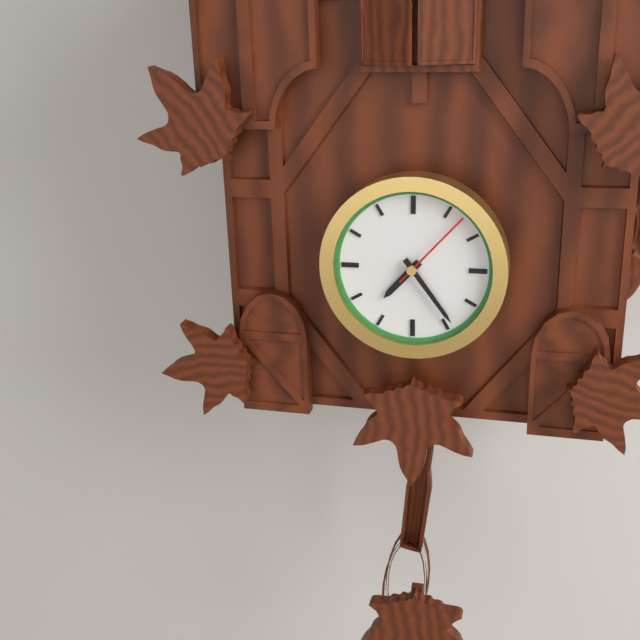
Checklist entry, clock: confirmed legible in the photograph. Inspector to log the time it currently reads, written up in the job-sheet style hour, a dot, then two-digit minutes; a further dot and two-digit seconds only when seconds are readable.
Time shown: 7.24.07
